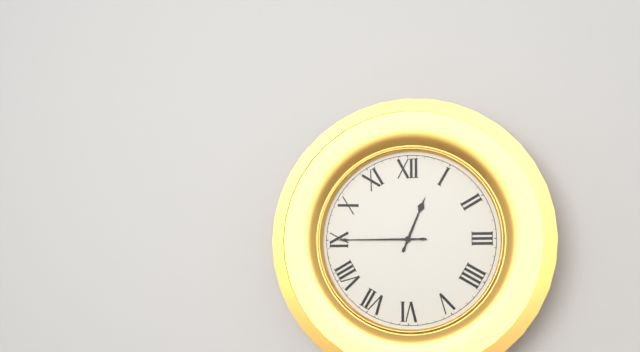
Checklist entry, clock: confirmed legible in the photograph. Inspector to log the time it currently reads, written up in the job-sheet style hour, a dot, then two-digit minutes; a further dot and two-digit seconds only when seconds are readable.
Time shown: 12.45
